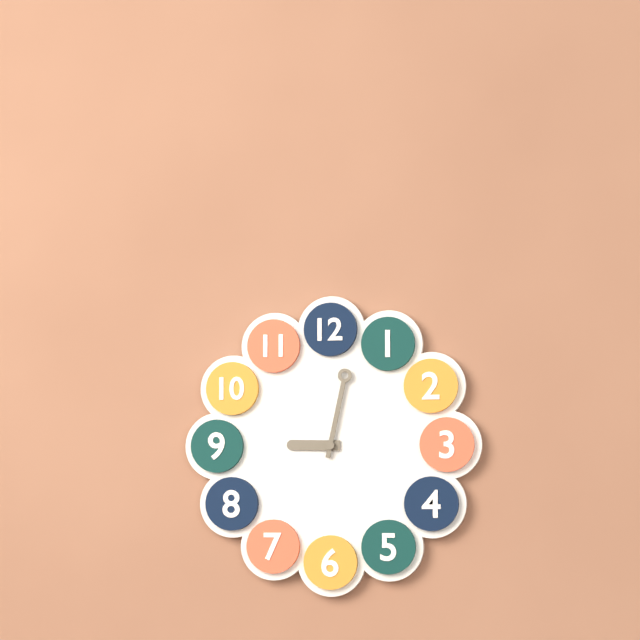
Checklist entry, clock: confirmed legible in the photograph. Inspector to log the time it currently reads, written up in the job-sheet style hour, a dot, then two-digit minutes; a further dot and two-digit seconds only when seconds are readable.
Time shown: 9.02
